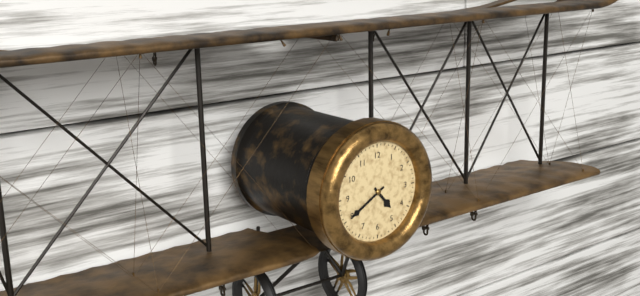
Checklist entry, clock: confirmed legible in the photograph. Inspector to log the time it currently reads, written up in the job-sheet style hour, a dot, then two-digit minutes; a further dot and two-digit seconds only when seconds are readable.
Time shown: 4.40
